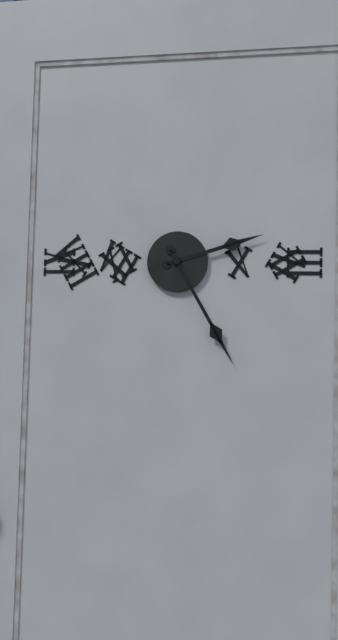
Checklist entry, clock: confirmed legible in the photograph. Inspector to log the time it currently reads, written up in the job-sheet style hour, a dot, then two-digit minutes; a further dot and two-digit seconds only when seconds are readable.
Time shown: 2.25
